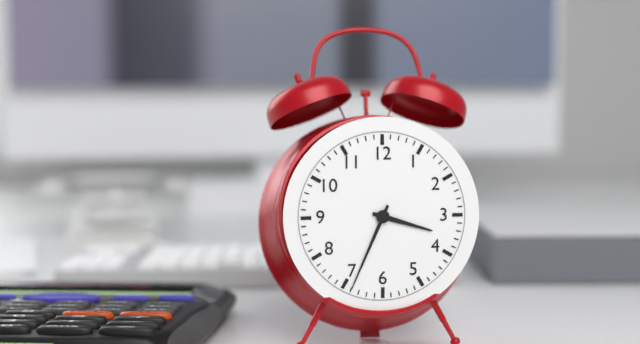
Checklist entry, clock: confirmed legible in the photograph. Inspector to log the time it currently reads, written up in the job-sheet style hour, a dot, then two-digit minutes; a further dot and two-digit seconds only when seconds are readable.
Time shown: 3.34
